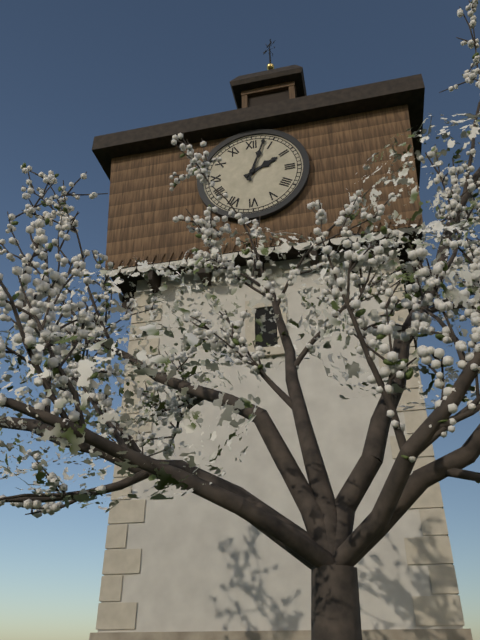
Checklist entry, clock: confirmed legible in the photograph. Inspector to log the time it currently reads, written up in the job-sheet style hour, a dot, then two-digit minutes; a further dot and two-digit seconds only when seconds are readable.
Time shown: 2.03
